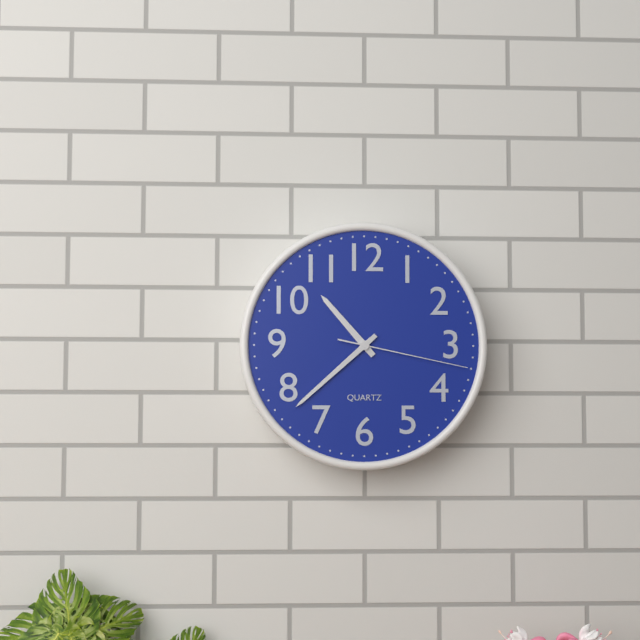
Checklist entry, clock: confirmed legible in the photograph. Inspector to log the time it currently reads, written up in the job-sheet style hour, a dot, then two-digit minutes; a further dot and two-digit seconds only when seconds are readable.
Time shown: 10.38.17
